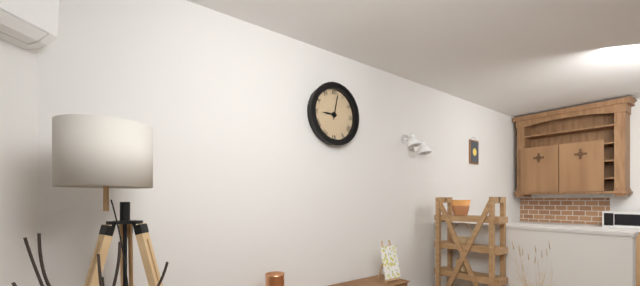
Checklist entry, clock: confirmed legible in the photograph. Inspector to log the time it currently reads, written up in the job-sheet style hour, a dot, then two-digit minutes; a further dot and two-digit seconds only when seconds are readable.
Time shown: 9.02
